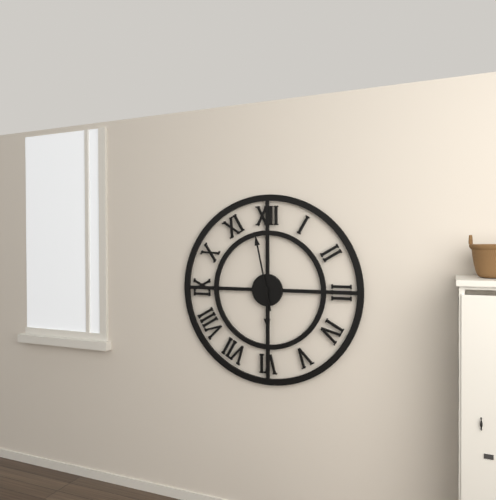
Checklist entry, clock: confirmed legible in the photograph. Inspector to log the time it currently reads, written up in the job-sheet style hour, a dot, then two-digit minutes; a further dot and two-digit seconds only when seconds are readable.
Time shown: 5.58
